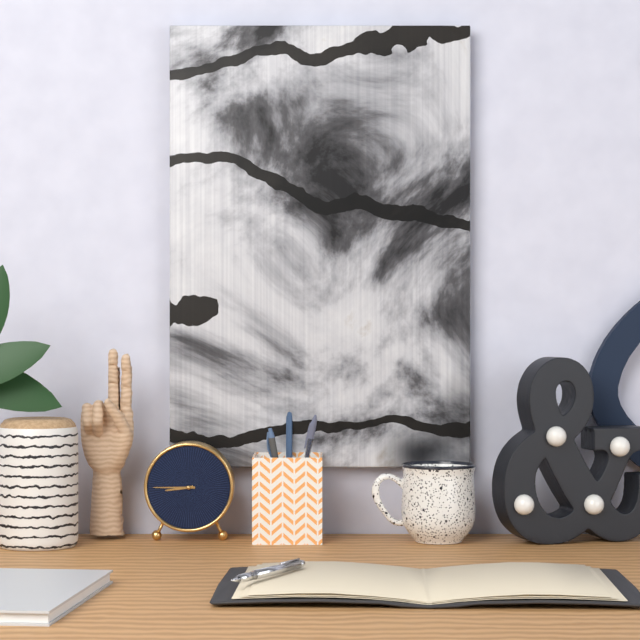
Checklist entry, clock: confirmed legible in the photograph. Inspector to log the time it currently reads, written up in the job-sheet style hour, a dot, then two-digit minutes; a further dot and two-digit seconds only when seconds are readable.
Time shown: 8.45
